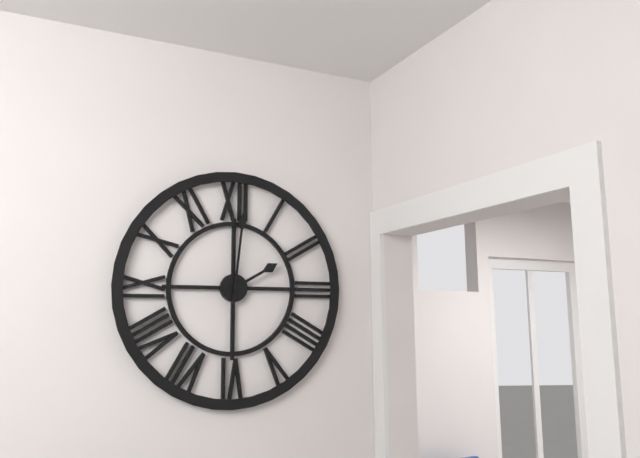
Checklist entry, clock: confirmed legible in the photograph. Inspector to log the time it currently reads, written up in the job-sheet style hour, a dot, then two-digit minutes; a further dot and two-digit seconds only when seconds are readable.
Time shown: 2.01
